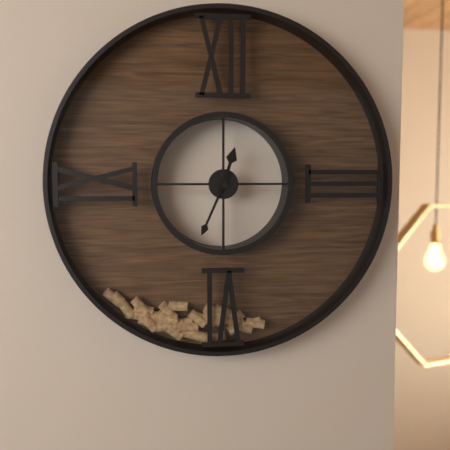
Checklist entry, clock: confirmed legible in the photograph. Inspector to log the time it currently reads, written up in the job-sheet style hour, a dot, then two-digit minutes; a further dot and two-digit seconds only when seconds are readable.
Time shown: 12.34
